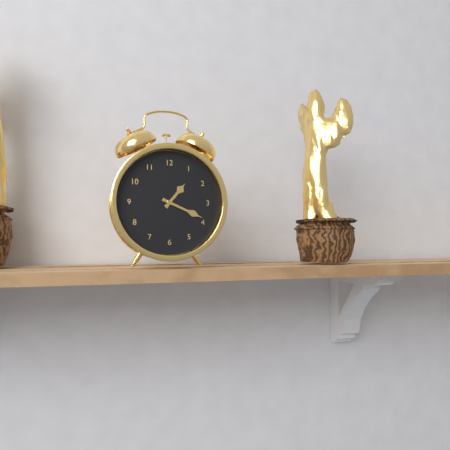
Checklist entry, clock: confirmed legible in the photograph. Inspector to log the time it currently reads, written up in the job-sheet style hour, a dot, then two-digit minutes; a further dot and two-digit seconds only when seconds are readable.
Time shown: 1.19
